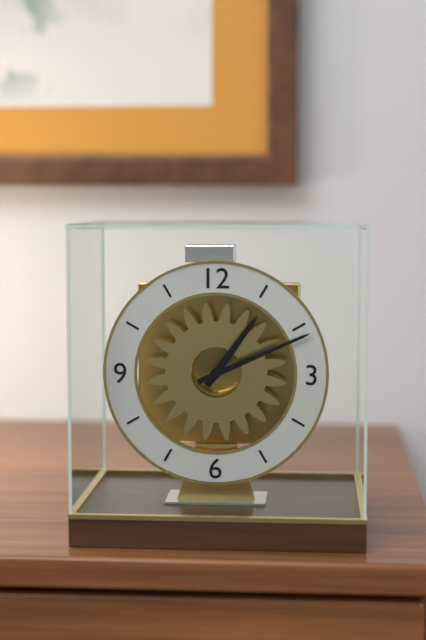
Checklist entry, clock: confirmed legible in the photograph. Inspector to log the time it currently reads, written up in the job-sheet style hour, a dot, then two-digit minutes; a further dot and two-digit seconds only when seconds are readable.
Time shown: 1.11
